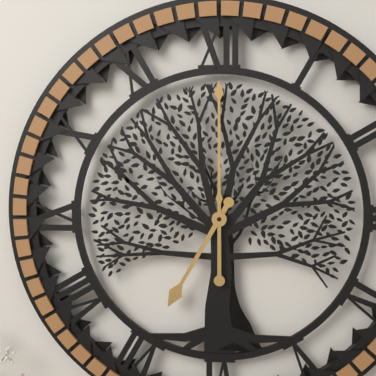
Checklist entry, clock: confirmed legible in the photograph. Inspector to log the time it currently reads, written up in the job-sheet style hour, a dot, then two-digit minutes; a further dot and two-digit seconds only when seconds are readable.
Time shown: 7.00
